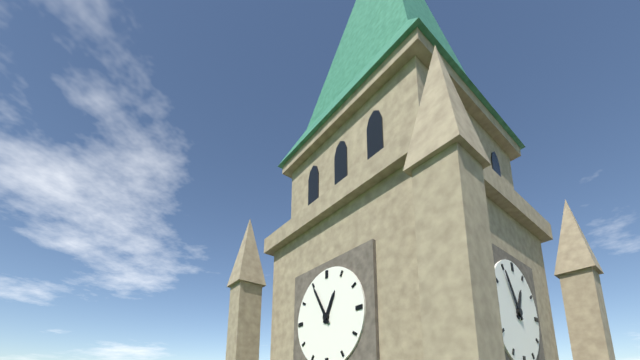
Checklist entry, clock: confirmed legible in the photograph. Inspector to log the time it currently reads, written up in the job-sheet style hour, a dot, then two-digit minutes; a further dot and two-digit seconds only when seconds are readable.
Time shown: 12.55
